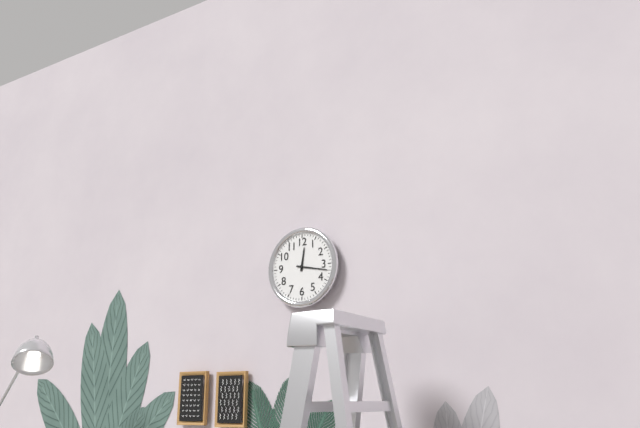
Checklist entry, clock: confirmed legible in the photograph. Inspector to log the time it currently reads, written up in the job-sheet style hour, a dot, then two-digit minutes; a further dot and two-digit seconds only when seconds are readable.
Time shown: 12.17
